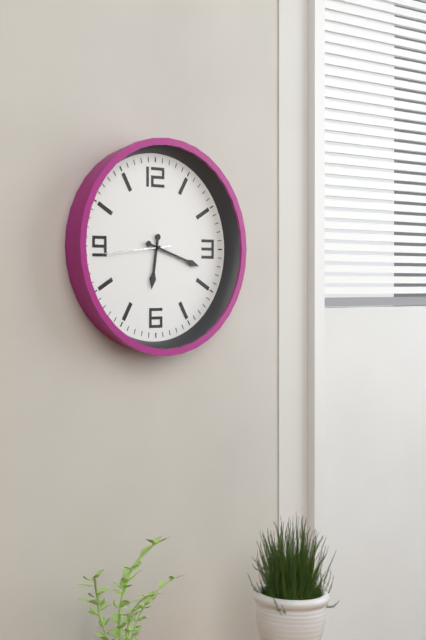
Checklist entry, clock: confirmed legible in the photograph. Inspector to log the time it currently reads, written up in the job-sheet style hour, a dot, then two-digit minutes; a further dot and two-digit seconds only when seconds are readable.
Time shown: 6.18.44
